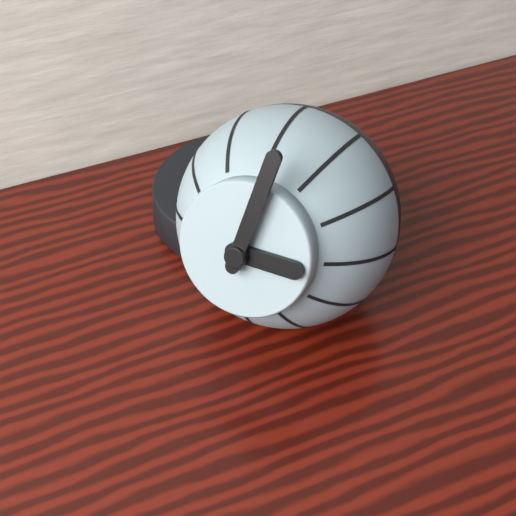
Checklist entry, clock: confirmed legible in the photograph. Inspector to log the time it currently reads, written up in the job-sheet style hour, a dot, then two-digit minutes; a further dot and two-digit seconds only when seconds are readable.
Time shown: 3.02
